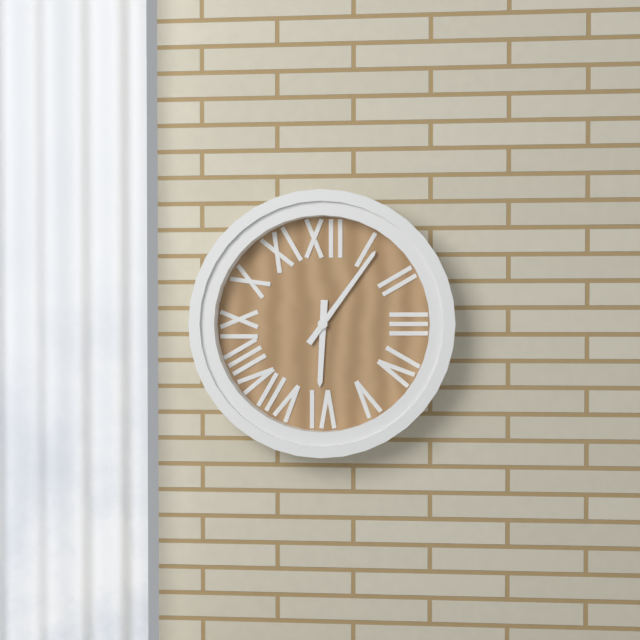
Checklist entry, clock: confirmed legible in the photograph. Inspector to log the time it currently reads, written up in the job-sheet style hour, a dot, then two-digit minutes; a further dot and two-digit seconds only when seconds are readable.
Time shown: 6.06
